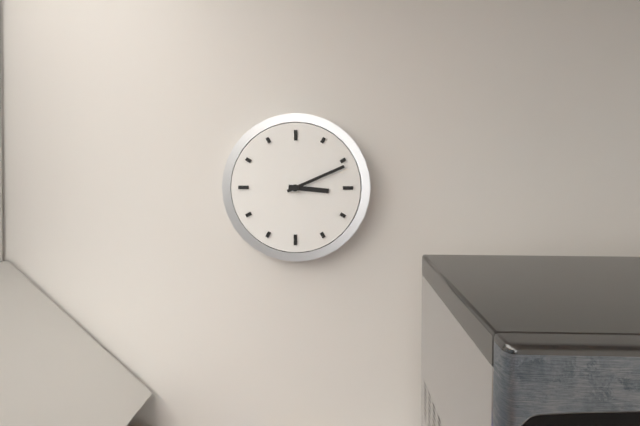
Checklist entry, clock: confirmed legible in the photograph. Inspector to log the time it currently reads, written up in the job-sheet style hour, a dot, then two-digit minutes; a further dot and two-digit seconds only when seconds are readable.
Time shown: 3.11
